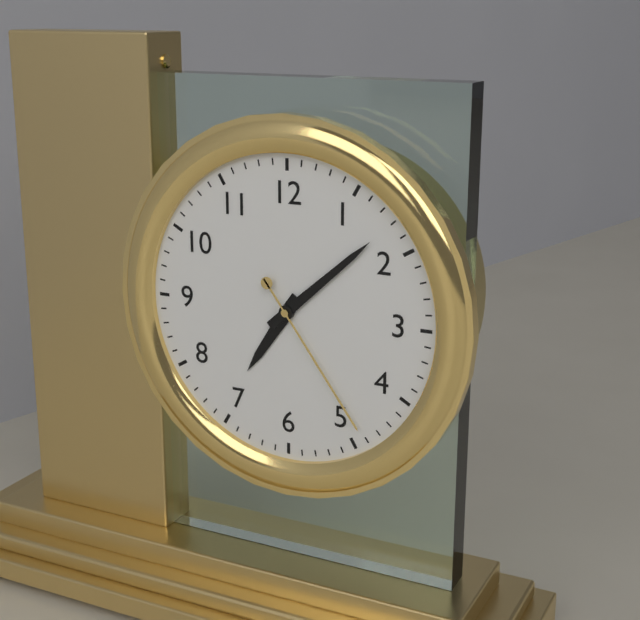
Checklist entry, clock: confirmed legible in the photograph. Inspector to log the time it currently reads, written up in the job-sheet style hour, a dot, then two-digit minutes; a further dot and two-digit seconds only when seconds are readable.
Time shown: 7.08.24
